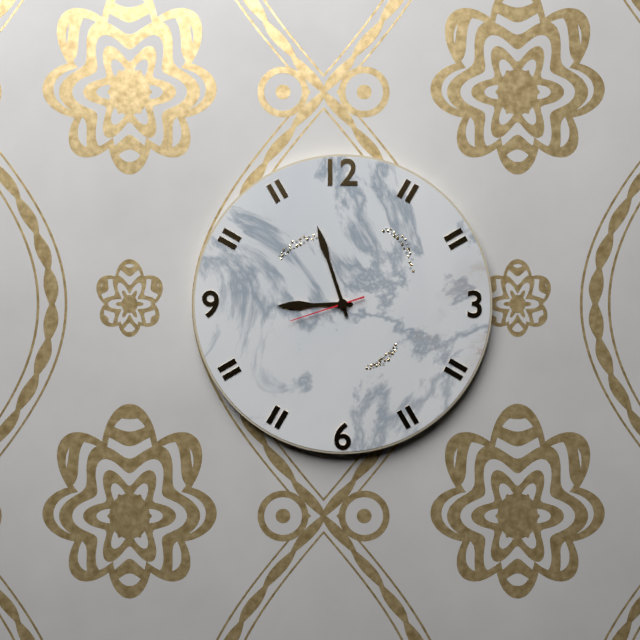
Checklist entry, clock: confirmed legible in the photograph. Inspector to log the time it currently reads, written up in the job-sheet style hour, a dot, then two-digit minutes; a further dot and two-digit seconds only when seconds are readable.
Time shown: 8.57.42
